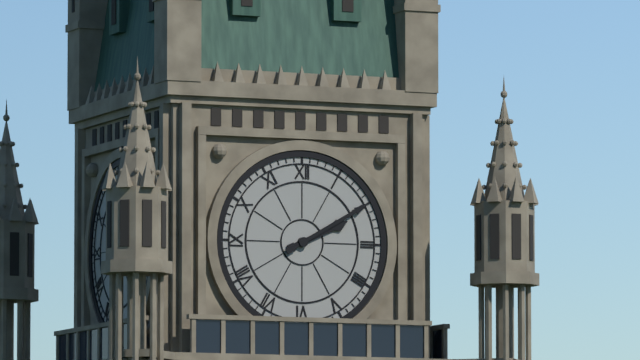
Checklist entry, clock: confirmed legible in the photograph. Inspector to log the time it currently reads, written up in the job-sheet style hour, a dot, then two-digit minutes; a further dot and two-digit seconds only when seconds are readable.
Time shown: 2.10
